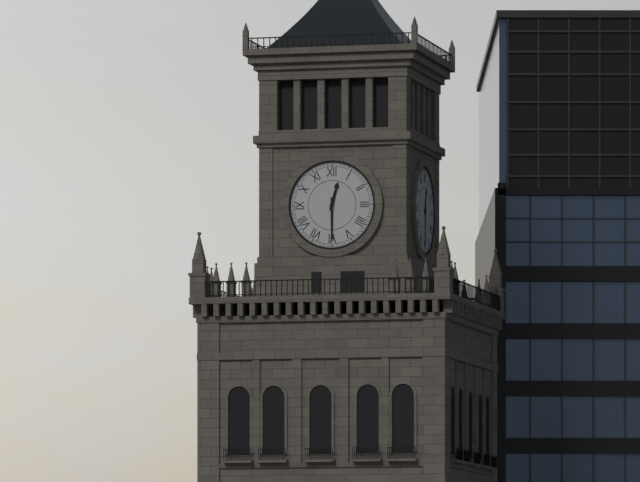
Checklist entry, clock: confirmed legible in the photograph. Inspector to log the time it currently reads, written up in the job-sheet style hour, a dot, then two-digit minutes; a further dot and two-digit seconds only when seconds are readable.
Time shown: 12.30
